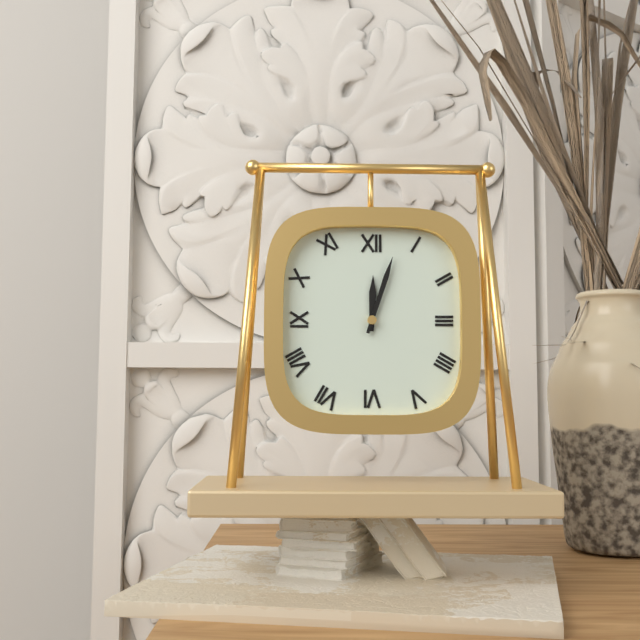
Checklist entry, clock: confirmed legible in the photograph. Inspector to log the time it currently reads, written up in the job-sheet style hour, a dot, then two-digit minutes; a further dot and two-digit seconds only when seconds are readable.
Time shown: 12.03
